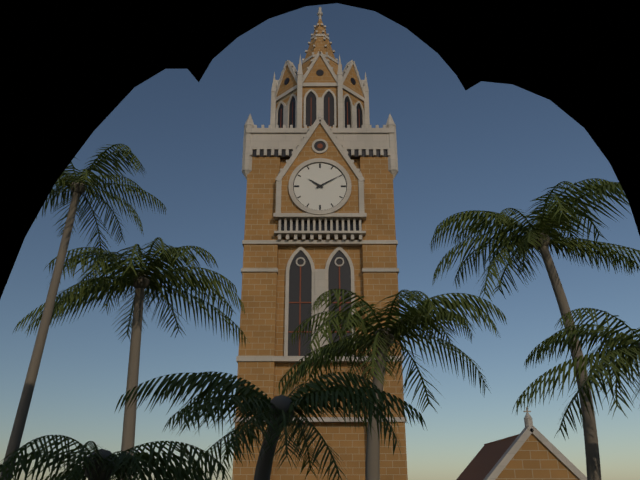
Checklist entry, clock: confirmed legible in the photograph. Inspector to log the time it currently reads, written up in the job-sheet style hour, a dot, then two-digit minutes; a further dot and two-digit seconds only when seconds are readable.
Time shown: 10.10
